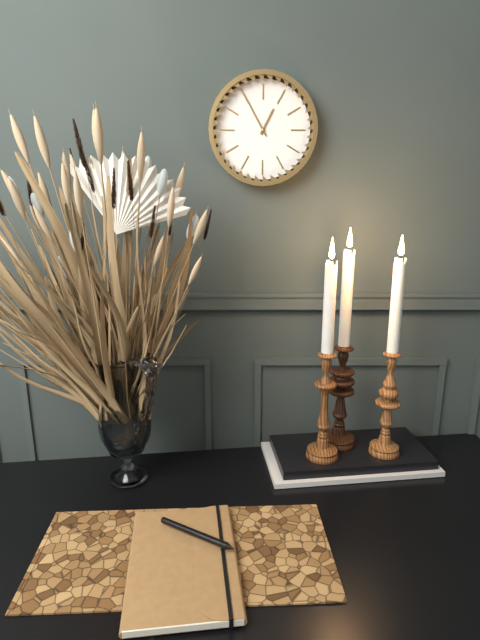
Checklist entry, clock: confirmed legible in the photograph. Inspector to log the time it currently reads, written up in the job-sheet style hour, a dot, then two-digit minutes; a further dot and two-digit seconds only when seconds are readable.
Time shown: 12.55
